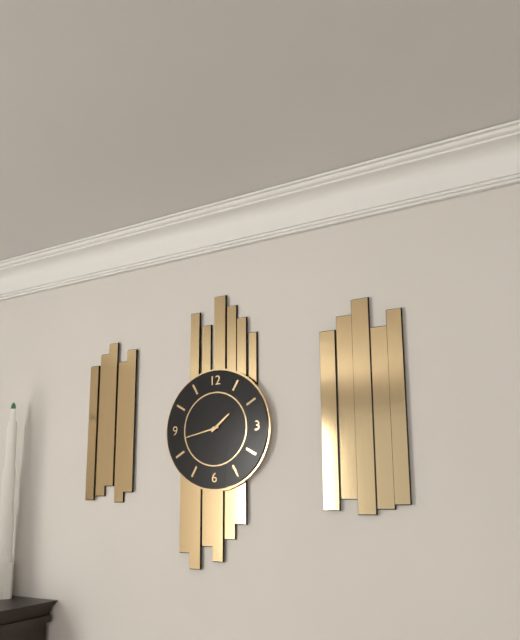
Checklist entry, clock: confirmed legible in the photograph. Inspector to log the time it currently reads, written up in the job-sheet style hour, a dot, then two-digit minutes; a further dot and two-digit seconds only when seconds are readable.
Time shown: 1.43
